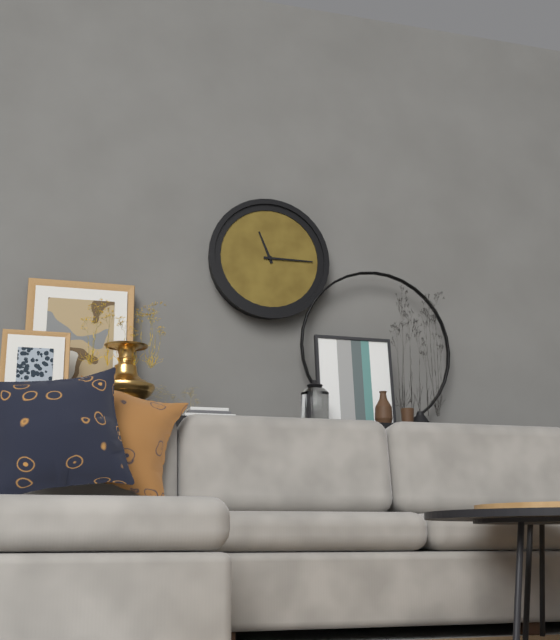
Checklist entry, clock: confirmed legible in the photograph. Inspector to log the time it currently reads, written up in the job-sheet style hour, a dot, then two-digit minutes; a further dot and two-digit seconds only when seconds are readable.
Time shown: 11.15
